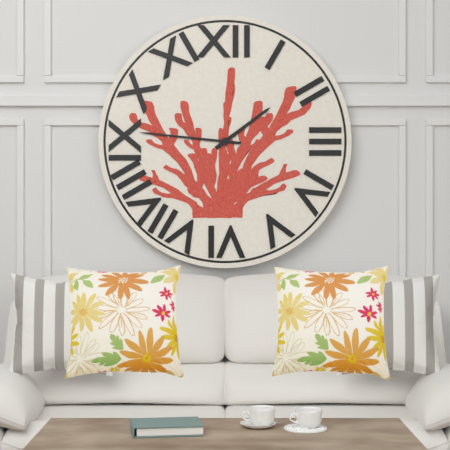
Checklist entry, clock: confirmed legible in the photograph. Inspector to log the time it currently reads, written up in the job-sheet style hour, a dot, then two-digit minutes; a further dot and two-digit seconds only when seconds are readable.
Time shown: 1.46
